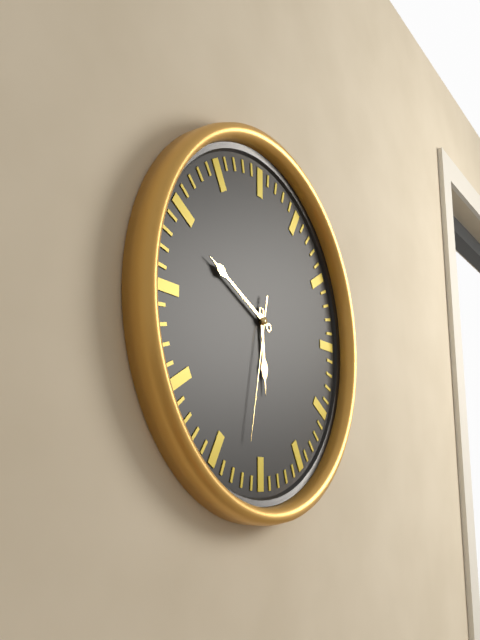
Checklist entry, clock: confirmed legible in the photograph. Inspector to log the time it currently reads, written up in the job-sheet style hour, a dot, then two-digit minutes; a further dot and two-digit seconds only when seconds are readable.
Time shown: 5.49.32
